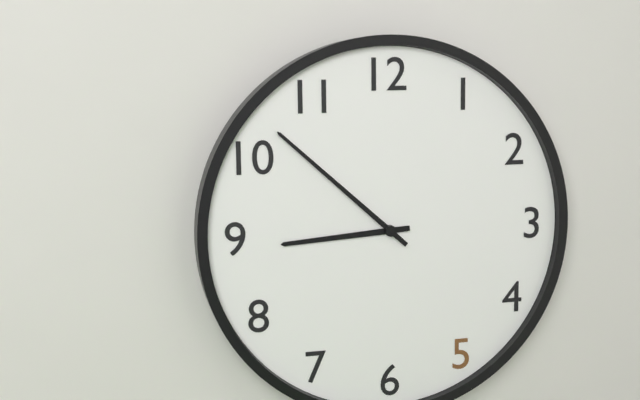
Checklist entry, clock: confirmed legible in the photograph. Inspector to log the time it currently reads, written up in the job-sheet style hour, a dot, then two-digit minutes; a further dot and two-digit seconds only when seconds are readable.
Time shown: 8.52
